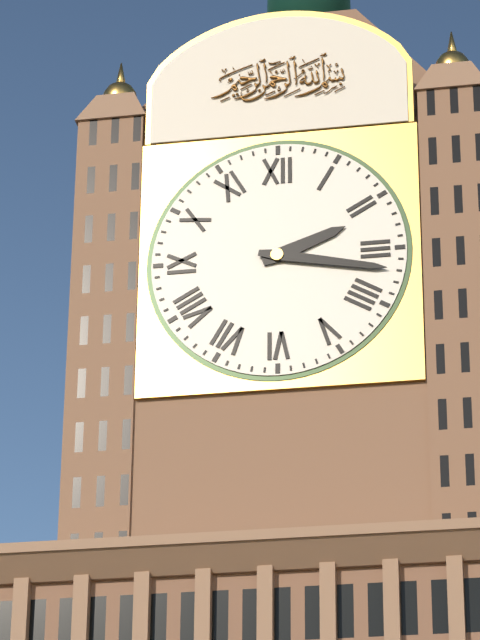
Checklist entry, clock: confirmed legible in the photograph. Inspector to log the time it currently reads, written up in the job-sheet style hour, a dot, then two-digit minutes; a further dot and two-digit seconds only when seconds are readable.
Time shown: 2.17
